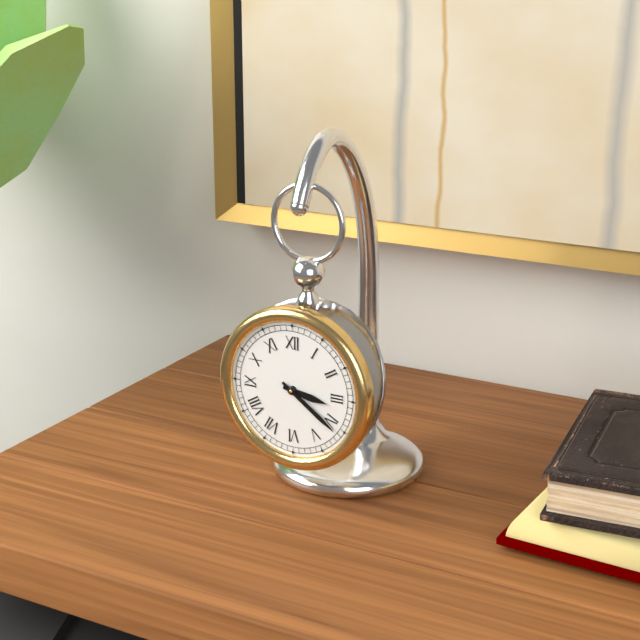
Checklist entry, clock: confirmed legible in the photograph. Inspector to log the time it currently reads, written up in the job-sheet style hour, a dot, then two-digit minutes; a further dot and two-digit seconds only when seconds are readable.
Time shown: 3.21
